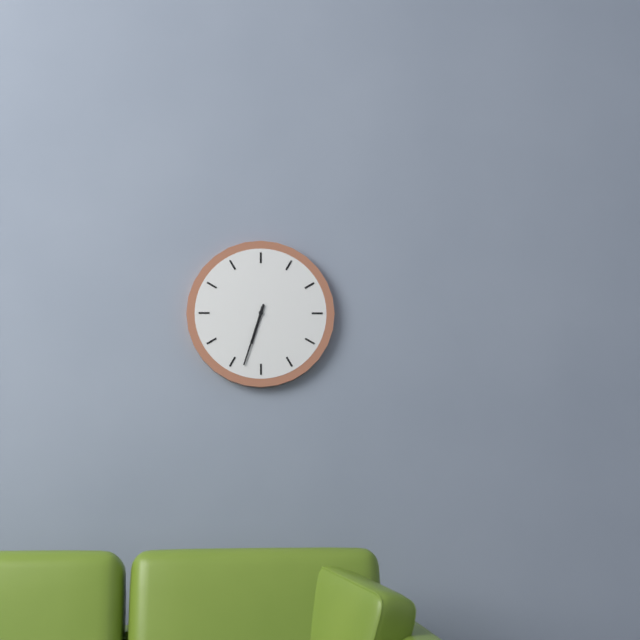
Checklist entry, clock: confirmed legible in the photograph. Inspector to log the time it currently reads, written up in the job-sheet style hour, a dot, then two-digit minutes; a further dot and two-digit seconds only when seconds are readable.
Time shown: 6.33
